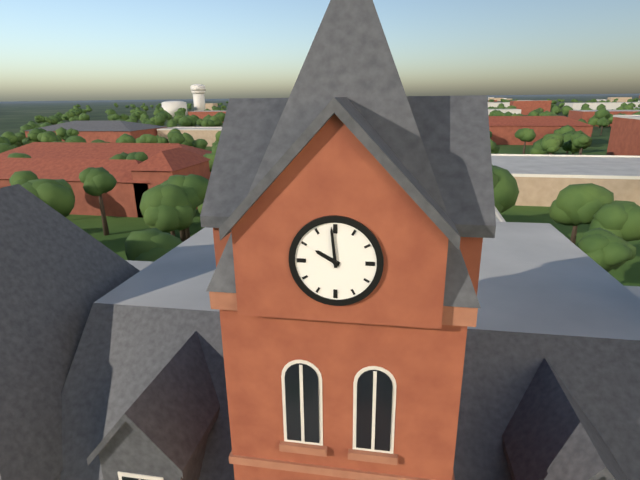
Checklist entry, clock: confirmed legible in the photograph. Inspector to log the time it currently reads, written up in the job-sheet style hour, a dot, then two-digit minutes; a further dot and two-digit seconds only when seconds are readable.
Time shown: 9.59
